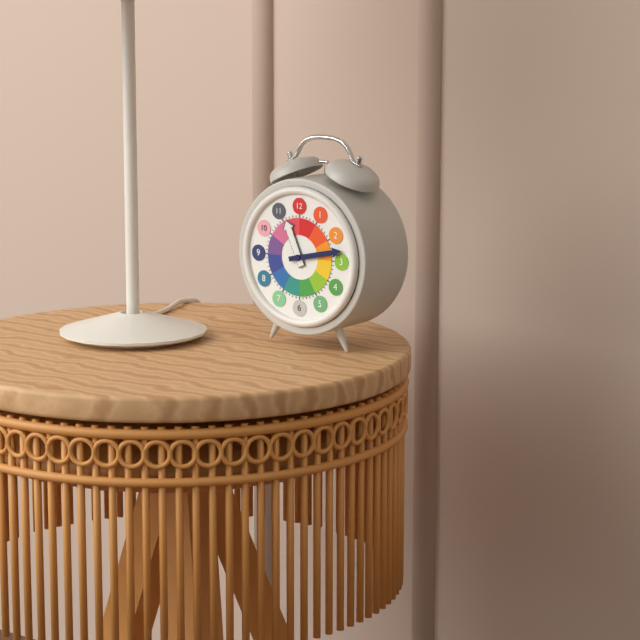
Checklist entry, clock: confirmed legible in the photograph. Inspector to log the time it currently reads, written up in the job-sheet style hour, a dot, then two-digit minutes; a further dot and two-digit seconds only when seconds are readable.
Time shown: 11.13
